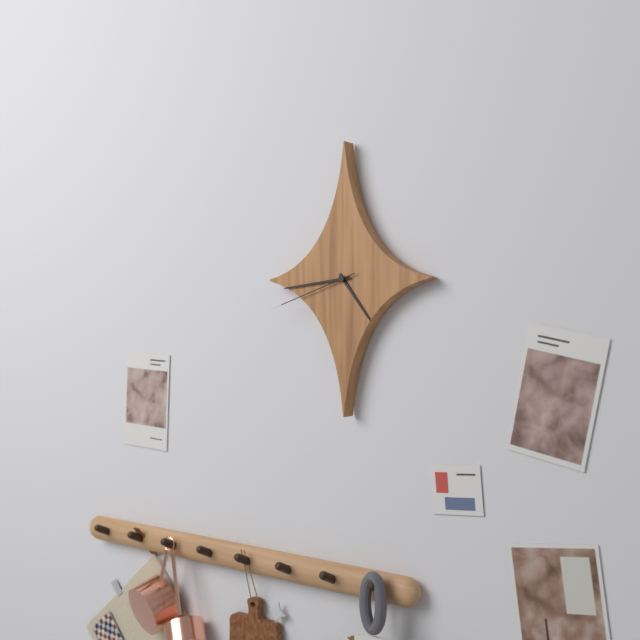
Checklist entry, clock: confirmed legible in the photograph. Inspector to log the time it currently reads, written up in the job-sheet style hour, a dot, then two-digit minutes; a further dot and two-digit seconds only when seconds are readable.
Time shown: 4.44.42
